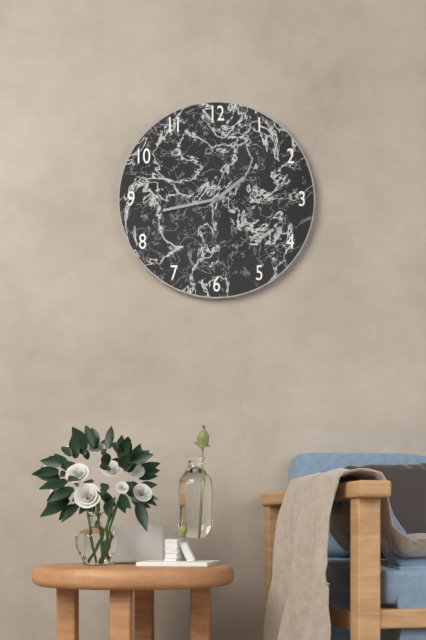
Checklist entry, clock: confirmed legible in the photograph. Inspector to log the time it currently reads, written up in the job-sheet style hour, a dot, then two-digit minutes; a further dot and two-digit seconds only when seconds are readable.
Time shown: 1.43
